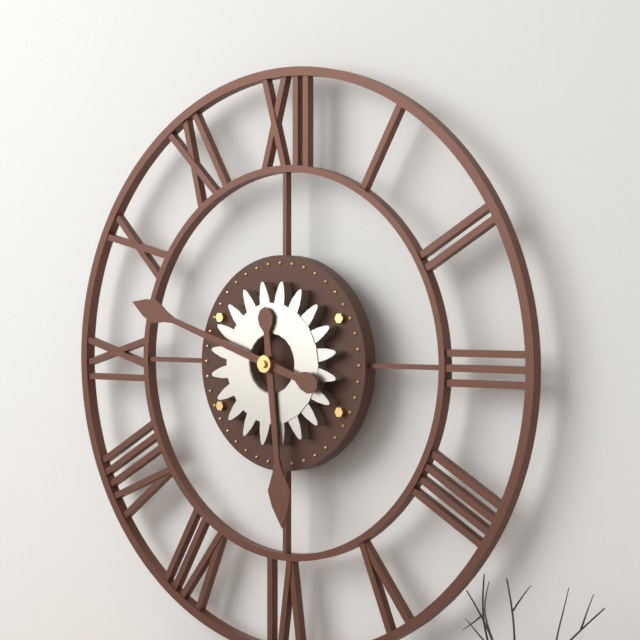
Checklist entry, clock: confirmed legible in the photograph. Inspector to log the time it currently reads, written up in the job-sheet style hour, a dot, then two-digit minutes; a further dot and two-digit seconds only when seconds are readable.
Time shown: 5.48
